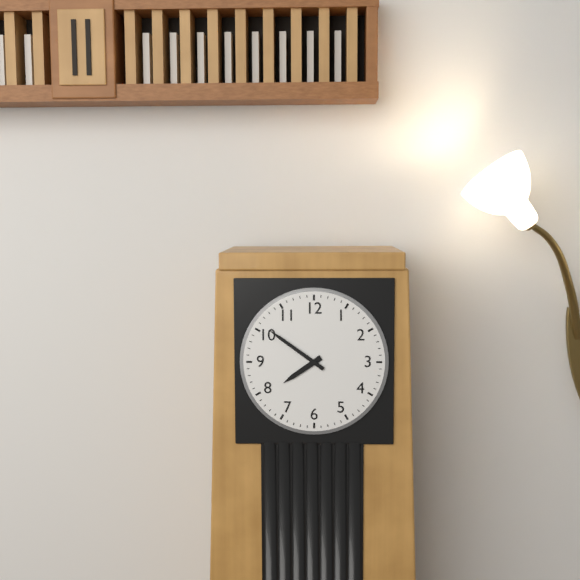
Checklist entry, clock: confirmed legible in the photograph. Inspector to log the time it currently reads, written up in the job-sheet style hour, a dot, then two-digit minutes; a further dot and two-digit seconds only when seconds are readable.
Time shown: 7.51
